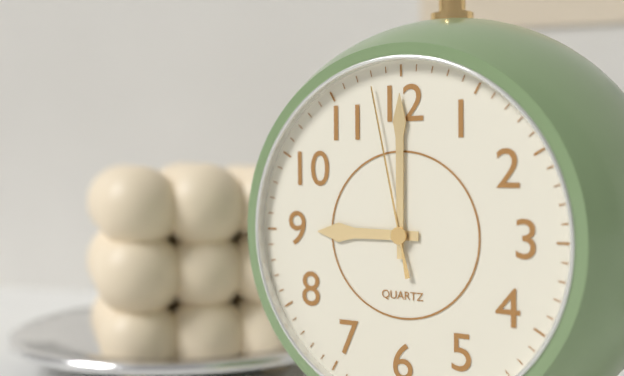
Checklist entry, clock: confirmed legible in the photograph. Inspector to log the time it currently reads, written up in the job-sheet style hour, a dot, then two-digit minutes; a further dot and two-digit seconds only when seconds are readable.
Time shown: 9.00.58
